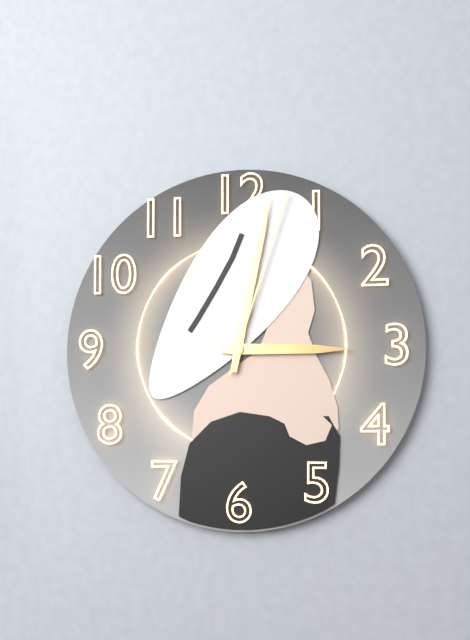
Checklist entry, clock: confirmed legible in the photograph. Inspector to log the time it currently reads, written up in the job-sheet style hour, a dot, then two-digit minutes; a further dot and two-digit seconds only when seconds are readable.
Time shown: 3.02.03
